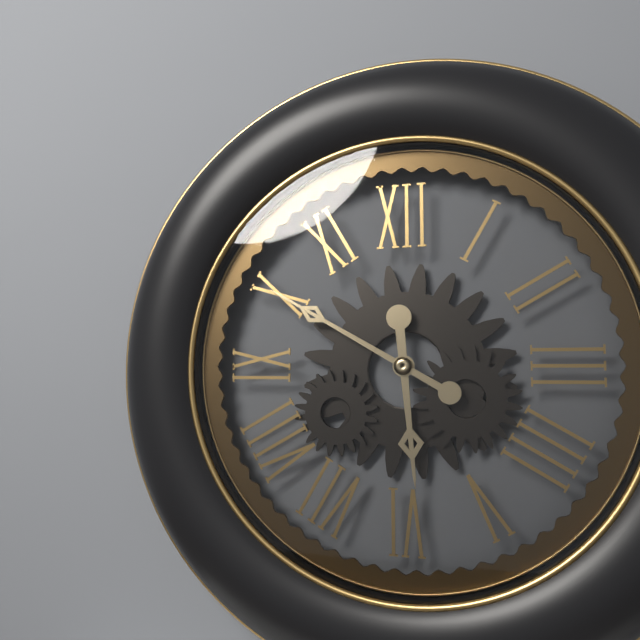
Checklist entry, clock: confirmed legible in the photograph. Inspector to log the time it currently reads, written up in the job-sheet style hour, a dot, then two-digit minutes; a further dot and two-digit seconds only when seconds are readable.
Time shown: 5.50
